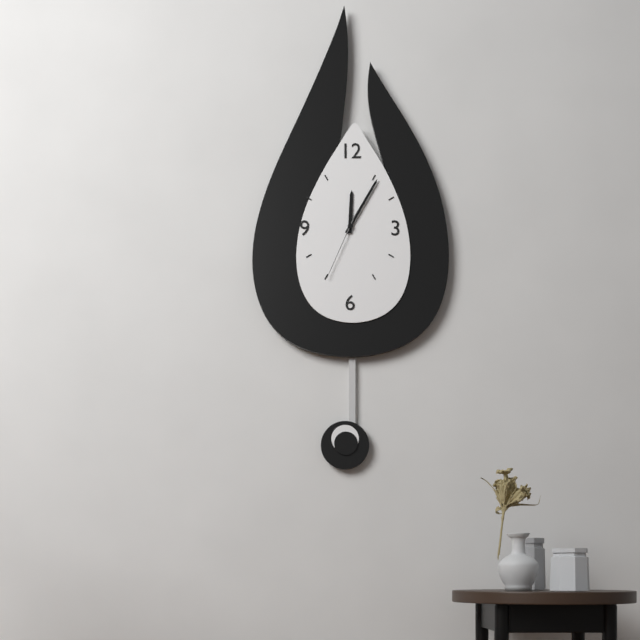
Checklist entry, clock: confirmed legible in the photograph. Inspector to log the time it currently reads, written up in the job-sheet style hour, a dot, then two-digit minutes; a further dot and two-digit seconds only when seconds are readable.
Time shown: 12.05.34
